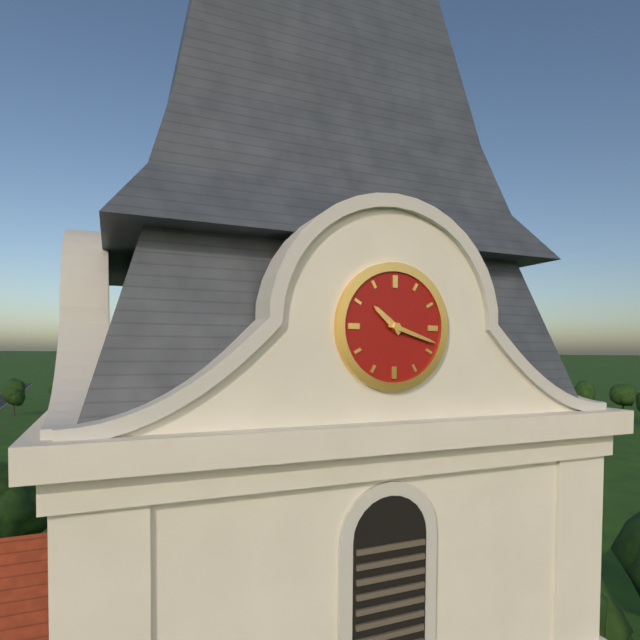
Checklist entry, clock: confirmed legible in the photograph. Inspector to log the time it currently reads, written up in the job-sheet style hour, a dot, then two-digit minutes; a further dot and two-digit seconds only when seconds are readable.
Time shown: 10.18
